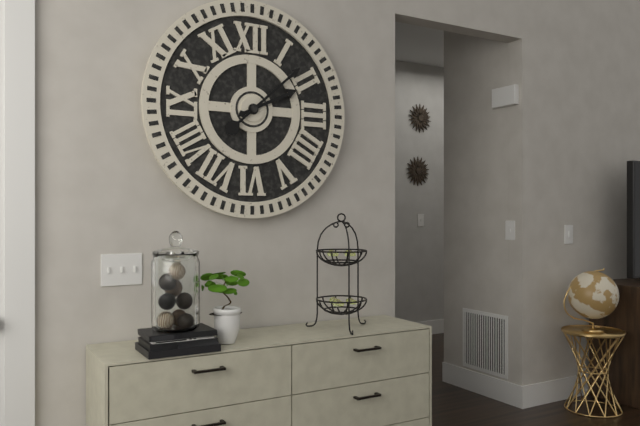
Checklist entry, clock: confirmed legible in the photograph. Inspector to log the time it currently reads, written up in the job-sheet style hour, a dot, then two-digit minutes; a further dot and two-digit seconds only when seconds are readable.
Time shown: 2.08
